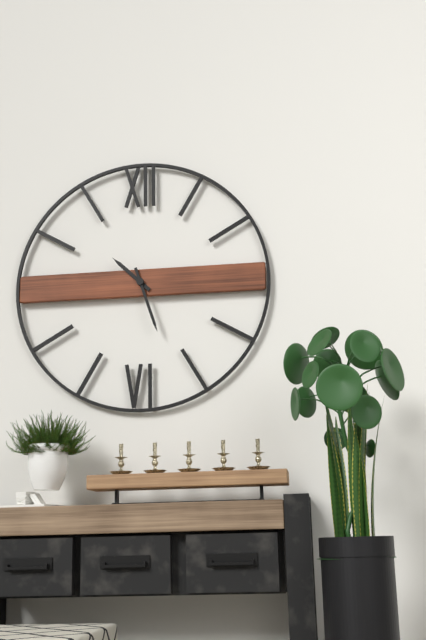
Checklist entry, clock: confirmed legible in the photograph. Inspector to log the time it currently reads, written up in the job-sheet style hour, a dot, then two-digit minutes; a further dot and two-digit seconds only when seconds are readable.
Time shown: 10.27
